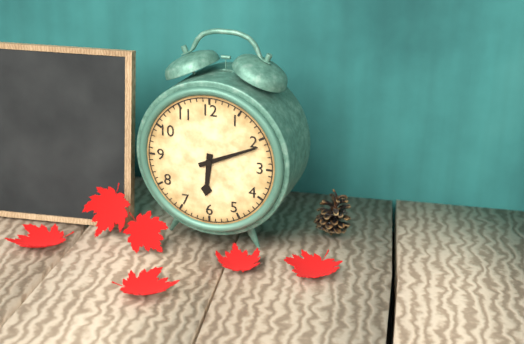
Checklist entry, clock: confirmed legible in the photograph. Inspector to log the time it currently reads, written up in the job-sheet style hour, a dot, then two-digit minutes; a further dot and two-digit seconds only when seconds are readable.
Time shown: 6.11
